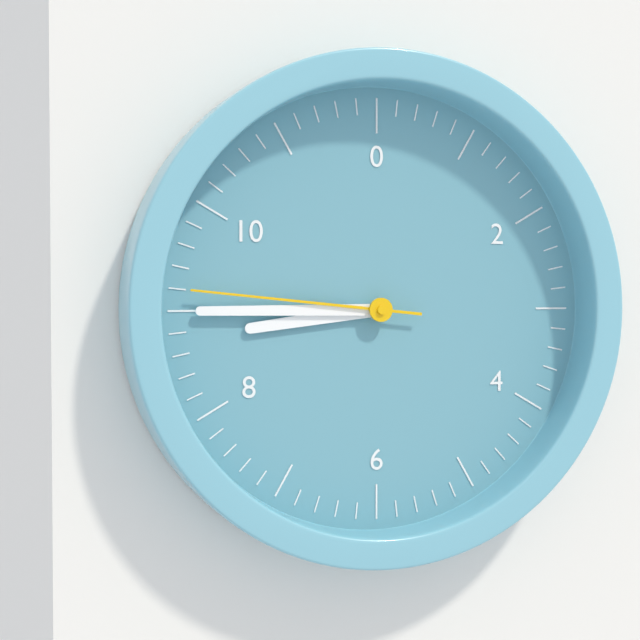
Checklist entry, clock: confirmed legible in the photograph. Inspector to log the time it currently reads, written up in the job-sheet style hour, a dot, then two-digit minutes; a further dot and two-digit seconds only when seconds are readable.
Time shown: 8.45.46
